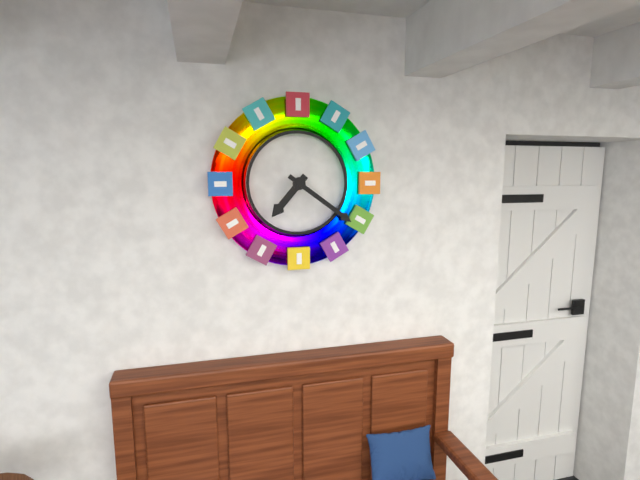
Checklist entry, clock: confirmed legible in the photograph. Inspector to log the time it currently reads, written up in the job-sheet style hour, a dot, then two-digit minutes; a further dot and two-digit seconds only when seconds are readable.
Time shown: 7.21
